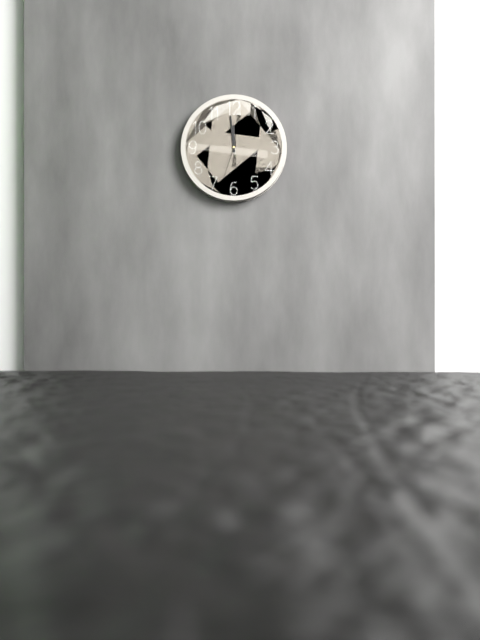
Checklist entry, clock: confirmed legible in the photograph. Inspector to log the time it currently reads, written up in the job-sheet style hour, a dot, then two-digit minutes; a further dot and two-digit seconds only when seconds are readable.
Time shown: 11.59
